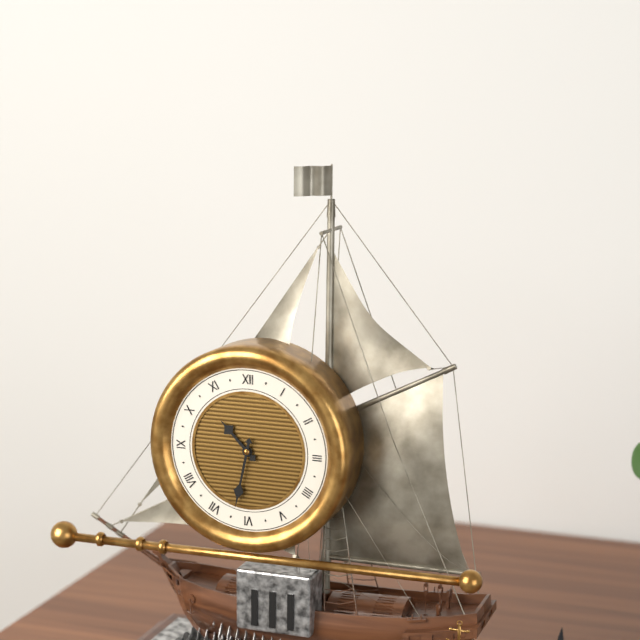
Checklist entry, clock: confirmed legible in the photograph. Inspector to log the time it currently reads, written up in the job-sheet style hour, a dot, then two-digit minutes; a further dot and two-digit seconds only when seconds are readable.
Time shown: 10.32
